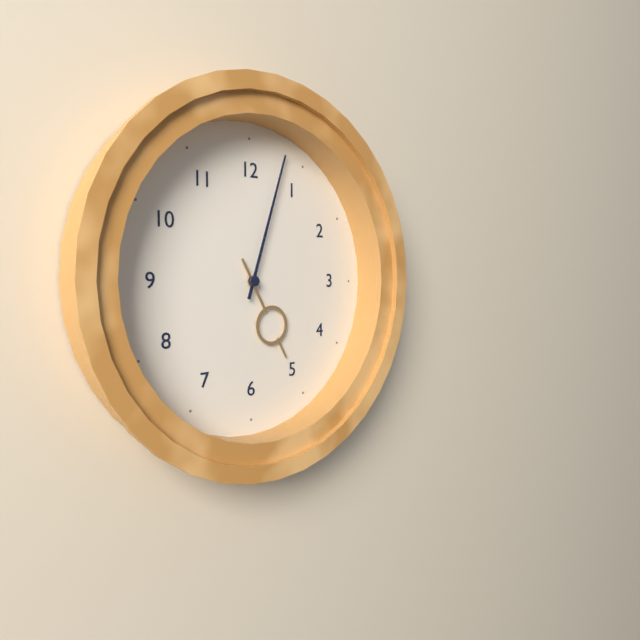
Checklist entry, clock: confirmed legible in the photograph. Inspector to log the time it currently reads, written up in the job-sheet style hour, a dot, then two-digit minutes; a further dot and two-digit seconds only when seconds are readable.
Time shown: 5.03
